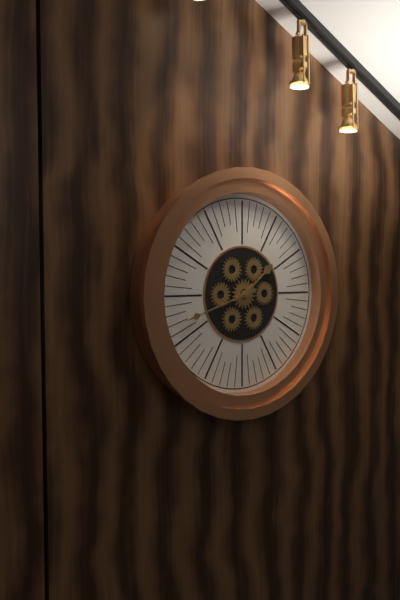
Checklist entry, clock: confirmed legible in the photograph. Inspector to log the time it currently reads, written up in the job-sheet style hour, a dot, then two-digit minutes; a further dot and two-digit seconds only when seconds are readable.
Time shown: 1.42
